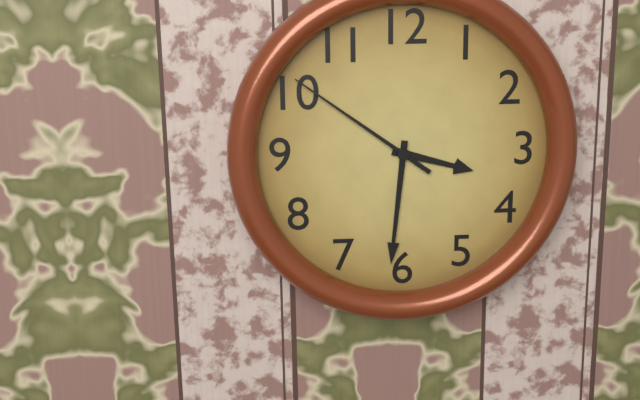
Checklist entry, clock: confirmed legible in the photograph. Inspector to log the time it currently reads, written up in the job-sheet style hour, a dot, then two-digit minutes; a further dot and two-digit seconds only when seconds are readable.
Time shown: 3.31.51
